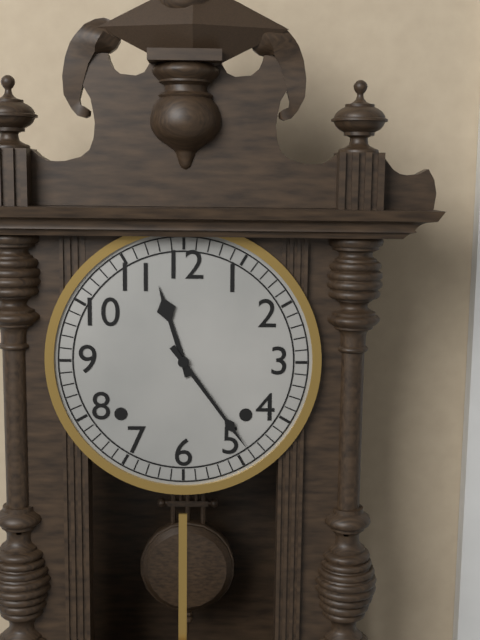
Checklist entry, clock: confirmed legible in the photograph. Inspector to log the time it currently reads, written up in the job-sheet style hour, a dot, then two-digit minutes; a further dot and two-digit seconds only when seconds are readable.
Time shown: 11.24
